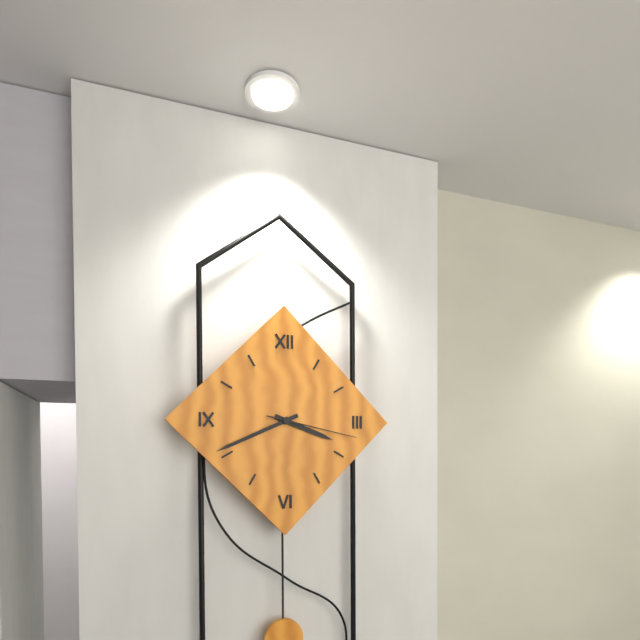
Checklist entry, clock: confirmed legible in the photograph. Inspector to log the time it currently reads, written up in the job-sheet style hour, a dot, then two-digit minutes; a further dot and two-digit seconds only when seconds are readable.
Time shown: 3.41.17
